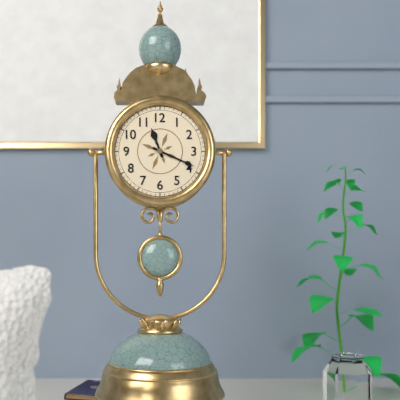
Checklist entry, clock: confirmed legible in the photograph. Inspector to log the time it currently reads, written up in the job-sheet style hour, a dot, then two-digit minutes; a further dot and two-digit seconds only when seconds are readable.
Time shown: 11.19
